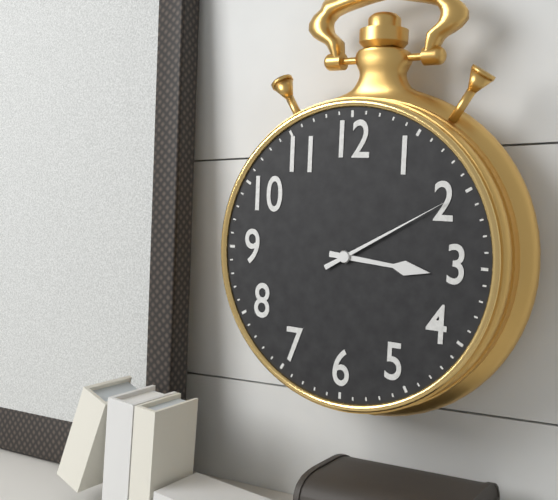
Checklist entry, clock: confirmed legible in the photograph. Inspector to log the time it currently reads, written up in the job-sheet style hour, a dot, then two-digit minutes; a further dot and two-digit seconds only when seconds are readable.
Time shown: 3.10
